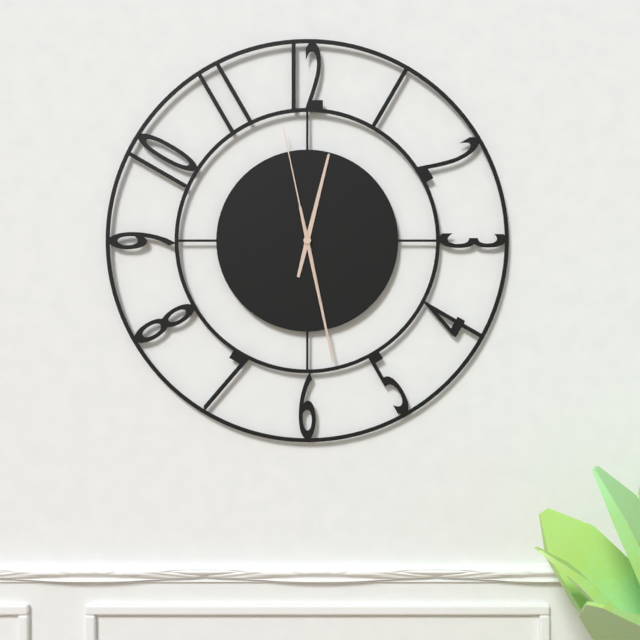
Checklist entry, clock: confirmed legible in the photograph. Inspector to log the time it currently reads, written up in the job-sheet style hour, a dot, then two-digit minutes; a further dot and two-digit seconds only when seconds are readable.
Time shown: 12.28.58
